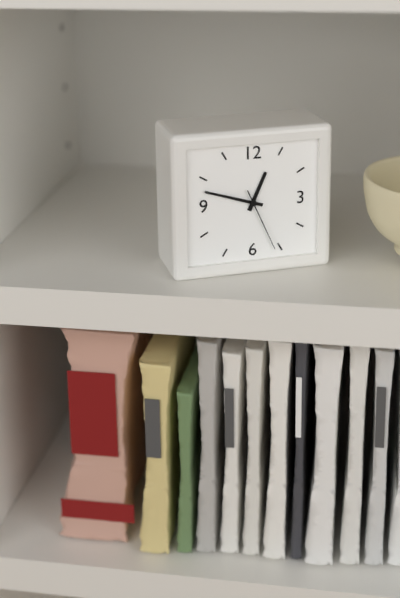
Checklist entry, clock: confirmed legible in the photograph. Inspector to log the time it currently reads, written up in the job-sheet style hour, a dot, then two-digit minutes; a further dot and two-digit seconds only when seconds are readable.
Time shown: 12.48.26
